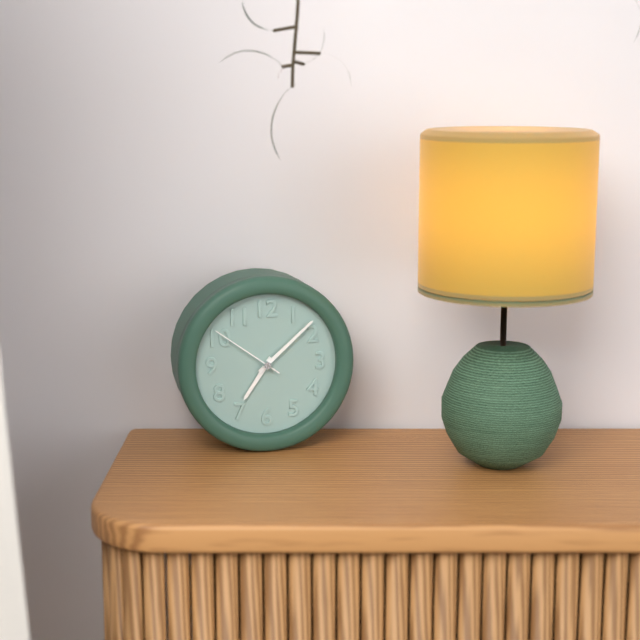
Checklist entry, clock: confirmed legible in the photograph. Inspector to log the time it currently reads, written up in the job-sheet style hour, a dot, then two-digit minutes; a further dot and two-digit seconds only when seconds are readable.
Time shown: 7.08.51
